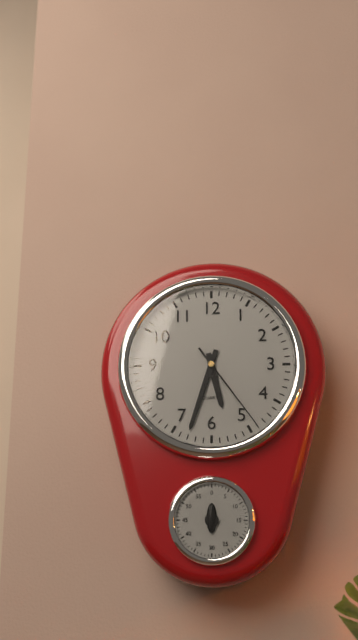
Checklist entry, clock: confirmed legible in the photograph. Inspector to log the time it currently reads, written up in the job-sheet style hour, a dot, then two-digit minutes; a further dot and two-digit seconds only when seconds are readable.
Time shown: 5.33.24
